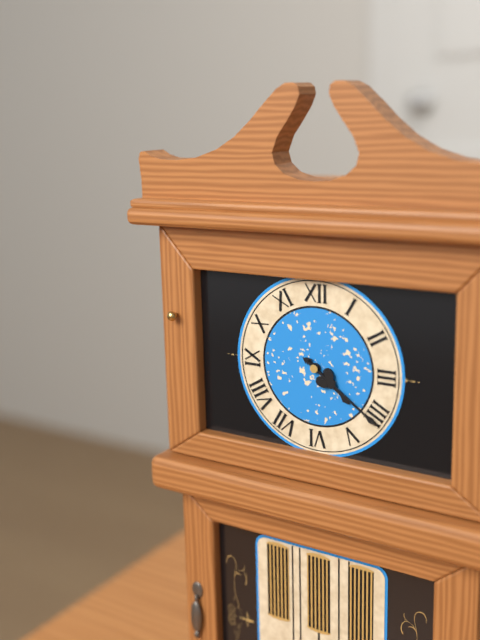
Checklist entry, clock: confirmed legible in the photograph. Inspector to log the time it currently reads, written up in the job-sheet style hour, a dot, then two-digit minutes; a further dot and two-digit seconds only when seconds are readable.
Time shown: 4.21
